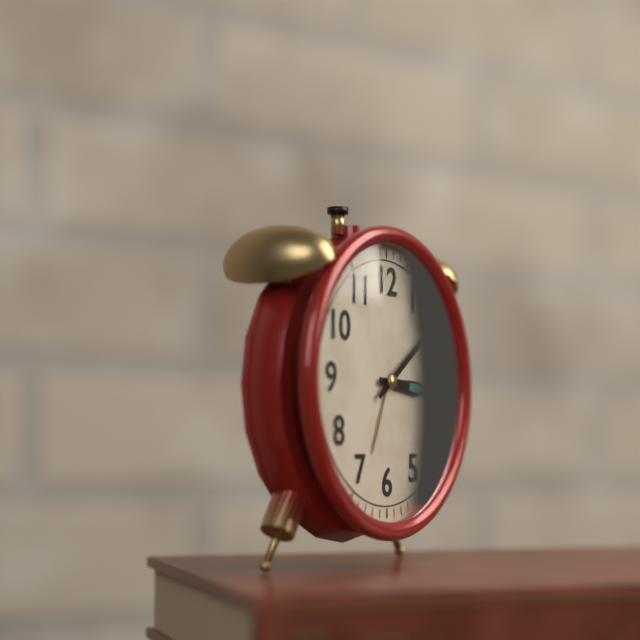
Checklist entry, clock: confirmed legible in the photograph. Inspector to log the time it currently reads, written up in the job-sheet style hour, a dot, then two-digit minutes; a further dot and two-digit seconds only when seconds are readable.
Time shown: 3.09
